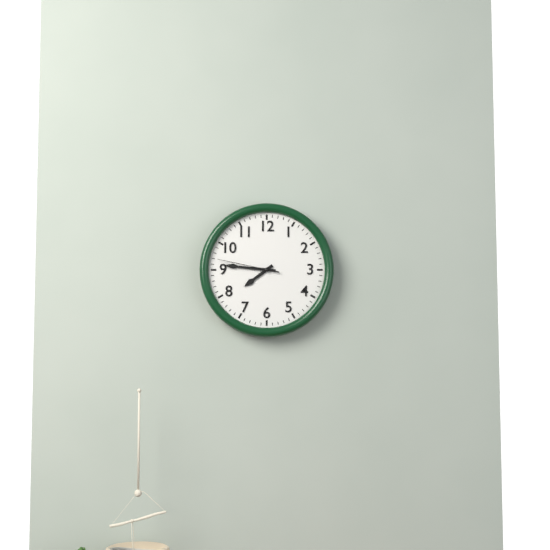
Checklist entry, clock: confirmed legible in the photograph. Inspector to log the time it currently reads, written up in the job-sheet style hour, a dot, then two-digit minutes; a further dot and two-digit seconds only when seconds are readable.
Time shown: 7.46.47
